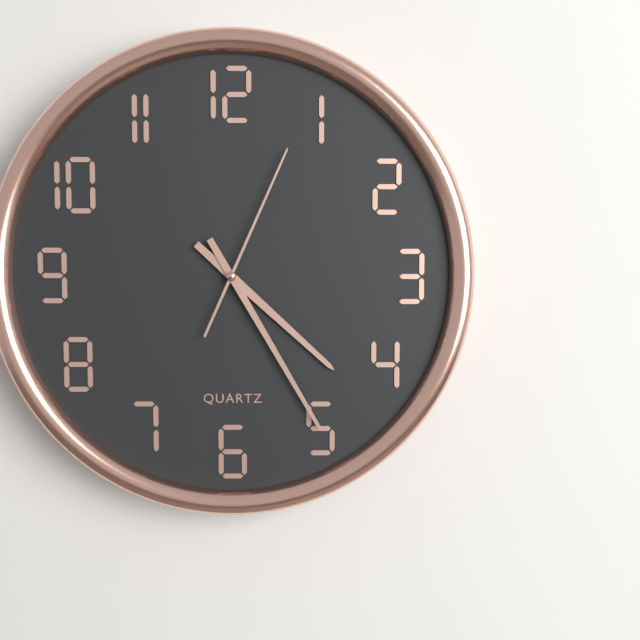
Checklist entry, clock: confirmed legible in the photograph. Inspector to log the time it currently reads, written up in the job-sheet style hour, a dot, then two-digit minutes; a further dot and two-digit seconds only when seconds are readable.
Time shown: 4.25.04
